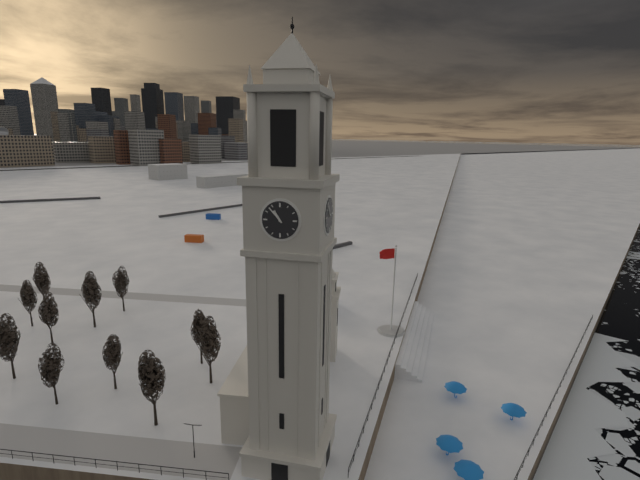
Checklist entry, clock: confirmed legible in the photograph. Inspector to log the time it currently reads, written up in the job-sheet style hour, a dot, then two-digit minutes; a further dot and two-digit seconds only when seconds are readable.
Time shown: 10.53
